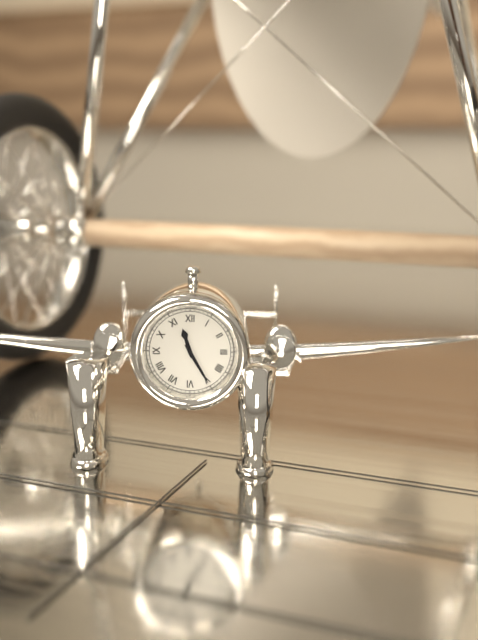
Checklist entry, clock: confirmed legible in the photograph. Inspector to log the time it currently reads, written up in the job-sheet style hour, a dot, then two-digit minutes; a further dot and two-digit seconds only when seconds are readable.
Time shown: 11.25
